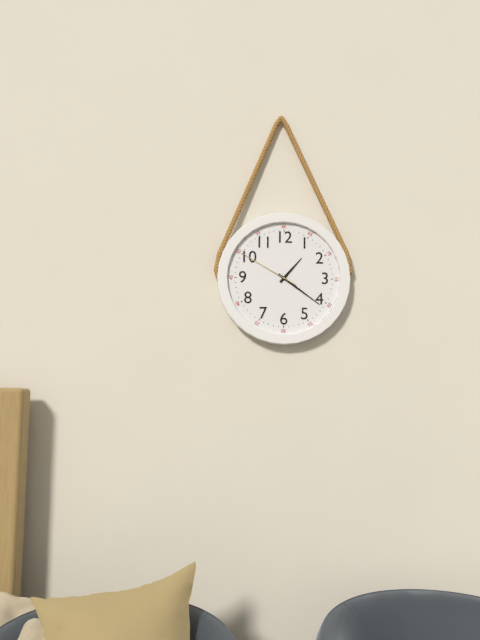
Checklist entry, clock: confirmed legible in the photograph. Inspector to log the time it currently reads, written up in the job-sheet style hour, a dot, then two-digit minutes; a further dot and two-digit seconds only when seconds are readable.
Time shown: 1.21.50
